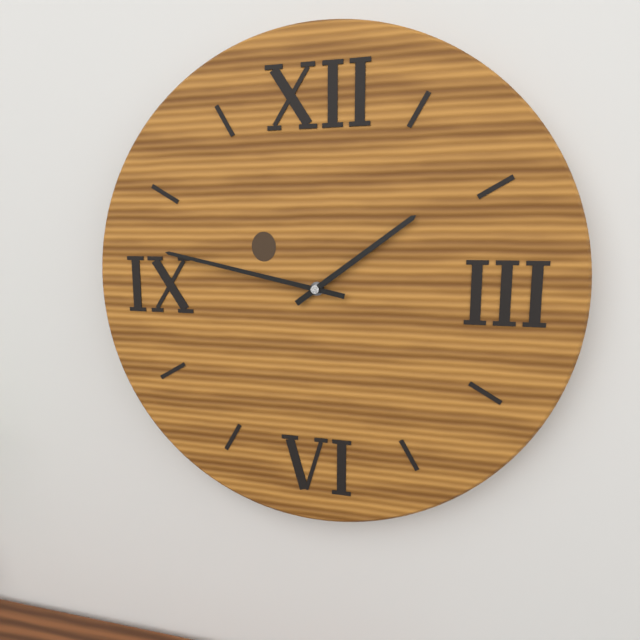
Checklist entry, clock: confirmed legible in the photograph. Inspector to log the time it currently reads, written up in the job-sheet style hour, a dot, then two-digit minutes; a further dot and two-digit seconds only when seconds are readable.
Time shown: 1.47
